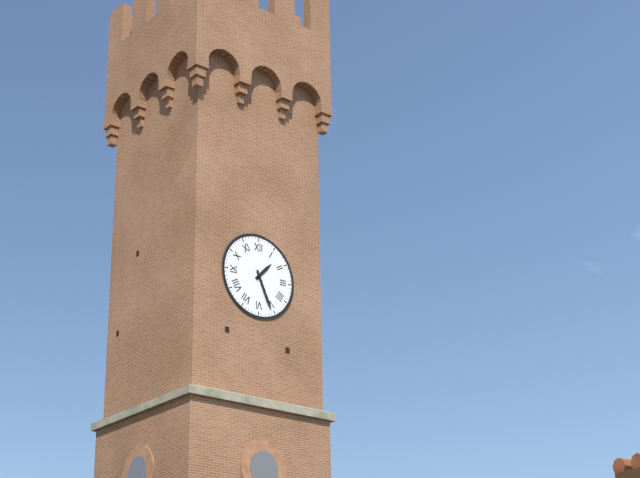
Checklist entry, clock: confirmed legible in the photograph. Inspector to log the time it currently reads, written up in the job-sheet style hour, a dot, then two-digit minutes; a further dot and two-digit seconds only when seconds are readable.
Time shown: 1.26
